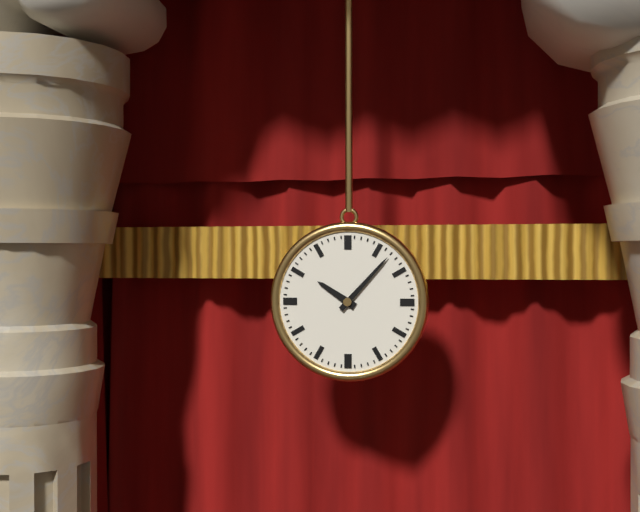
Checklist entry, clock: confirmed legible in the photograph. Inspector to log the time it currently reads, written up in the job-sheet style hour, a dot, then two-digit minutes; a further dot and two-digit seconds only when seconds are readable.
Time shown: 10.07
